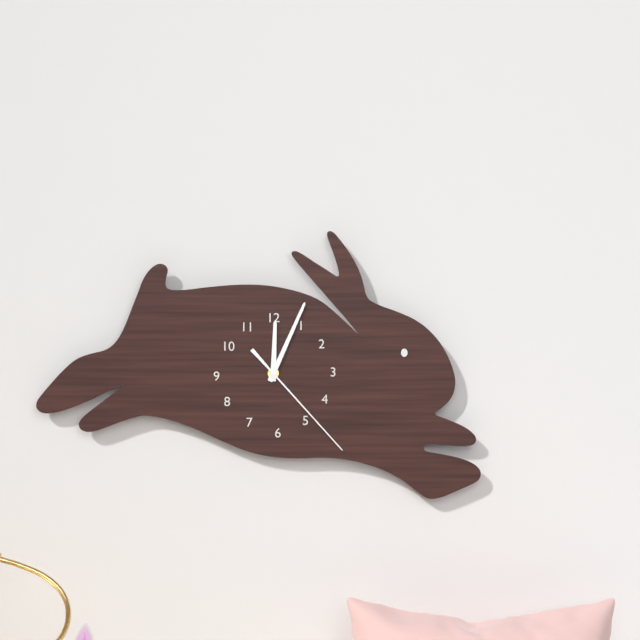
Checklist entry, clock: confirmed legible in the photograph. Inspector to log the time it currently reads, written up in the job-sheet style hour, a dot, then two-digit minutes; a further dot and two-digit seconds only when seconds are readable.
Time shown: 12.04.23
